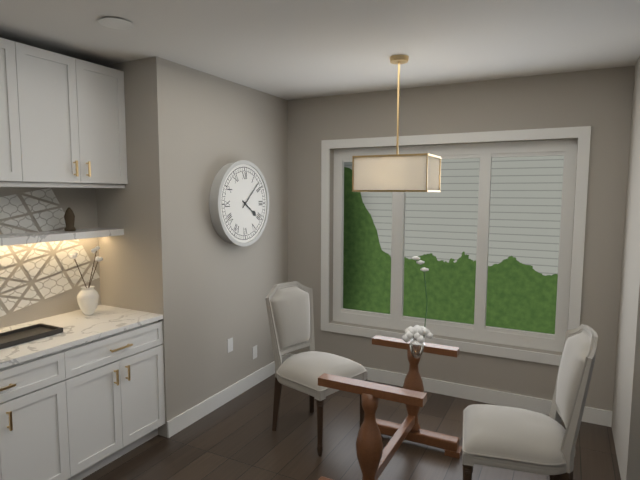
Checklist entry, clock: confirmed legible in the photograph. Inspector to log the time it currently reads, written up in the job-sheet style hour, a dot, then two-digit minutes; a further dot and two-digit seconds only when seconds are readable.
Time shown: 4.08
